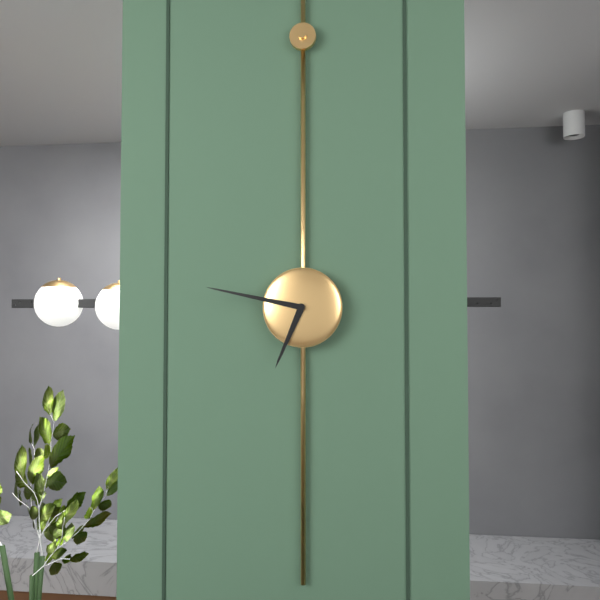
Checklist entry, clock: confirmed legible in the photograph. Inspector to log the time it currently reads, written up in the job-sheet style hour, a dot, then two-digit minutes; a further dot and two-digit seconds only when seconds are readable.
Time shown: 6.47
